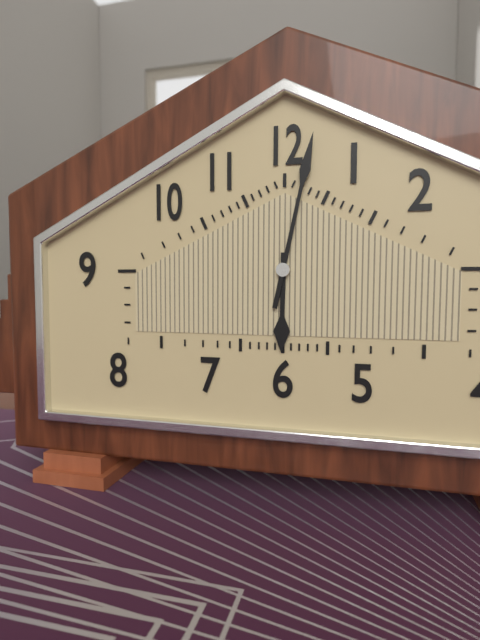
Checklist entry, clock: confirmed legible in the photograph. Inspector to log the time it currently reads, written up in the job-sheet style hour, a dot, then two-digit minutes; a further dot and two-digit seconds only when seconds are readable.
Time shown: 6.02
